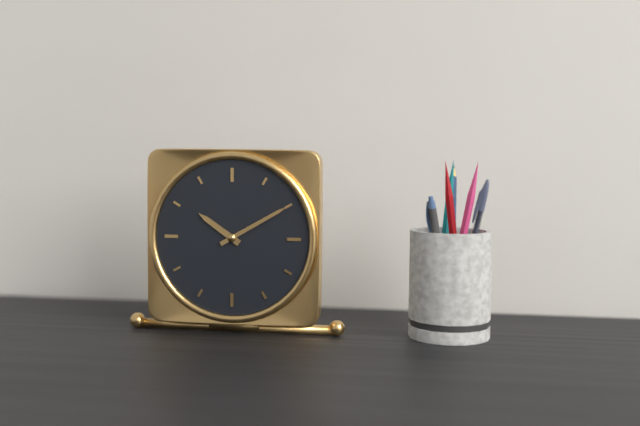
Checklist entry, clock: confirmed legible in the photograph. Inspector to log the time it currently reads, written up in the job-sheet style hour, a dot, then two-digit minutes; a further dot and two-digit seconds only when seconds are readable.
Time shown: 10.10
